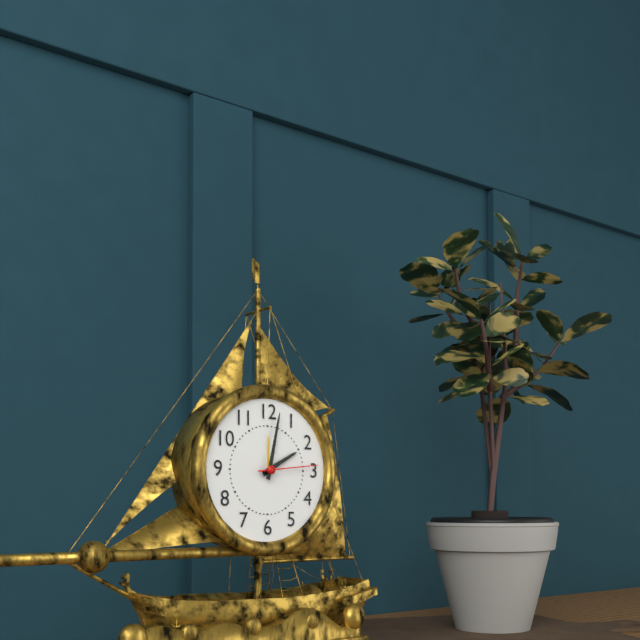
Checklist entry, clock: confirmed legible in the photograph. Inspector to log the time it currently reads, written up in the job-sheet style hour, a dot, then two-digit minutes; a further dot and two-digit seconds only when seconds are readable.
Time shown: 2.02.14
